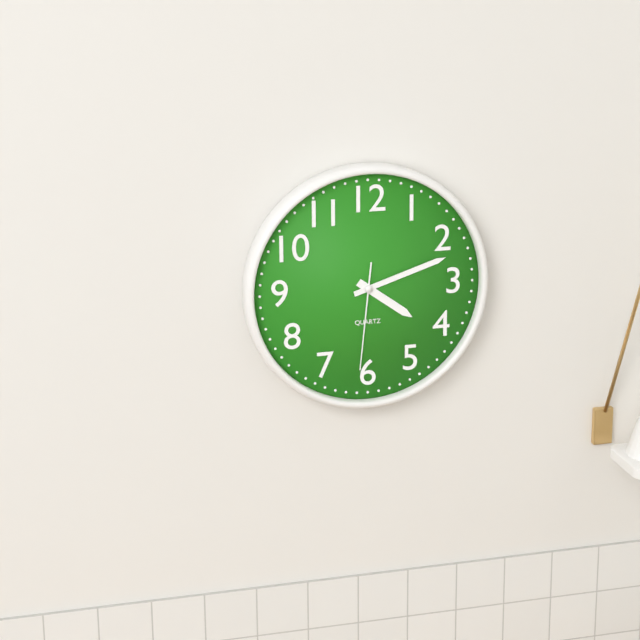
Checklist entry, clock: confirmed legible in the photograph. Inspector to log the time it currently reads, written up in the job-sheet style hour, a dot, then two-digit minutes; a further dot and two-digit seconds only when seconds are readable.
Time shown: 4.12.31
